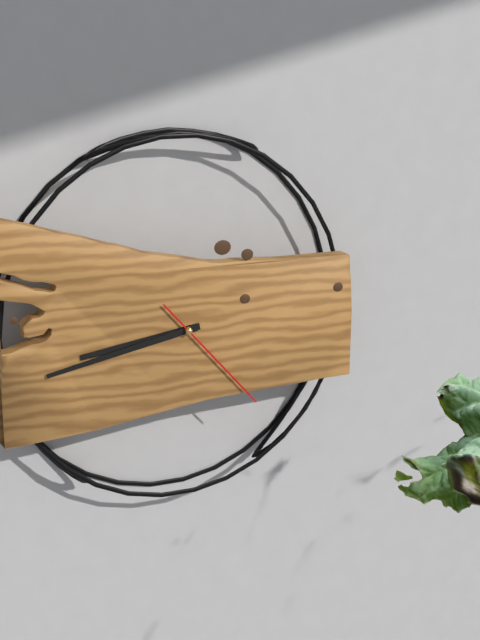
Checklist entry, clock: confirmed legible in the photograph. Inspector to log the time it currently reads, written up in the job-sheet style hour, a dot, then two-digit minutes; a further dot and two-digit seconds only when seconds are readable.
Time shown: 8.43.23
